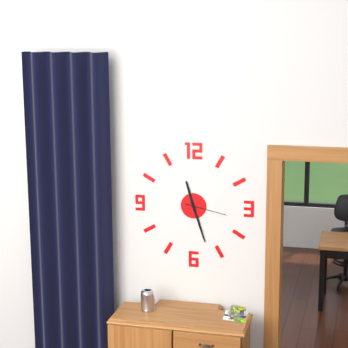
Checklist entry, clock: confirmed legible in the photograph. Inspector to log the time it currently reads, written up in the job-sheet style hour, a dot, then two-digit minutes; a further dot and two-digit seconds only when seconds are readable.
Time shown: 11.27
